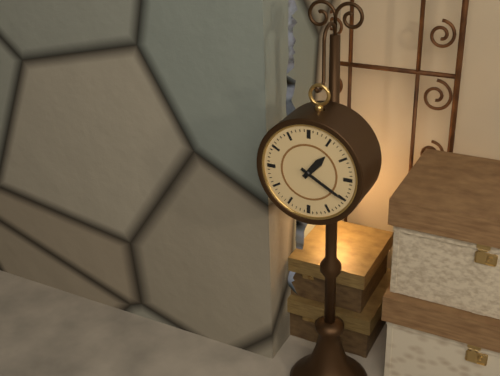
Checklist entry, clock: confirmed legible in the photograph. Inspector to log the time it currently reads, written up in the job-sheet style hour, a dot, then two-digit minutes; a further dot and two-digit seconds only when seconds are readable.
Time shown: 1.20
